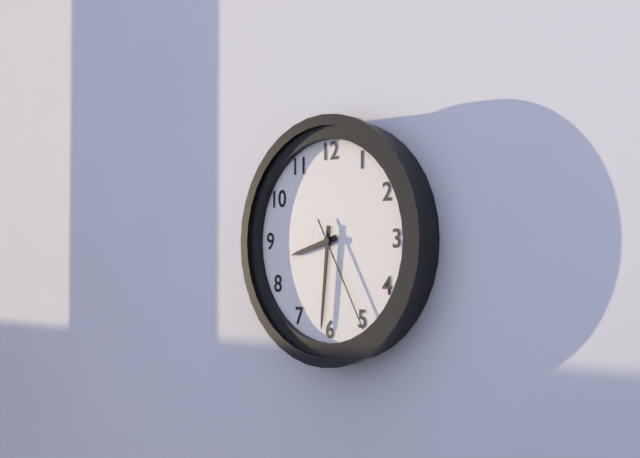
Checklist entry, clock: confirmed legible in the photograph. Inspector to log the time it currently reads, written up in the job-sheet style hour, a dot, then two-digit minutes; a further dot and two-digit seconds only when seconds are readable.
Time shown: 8.31.25
